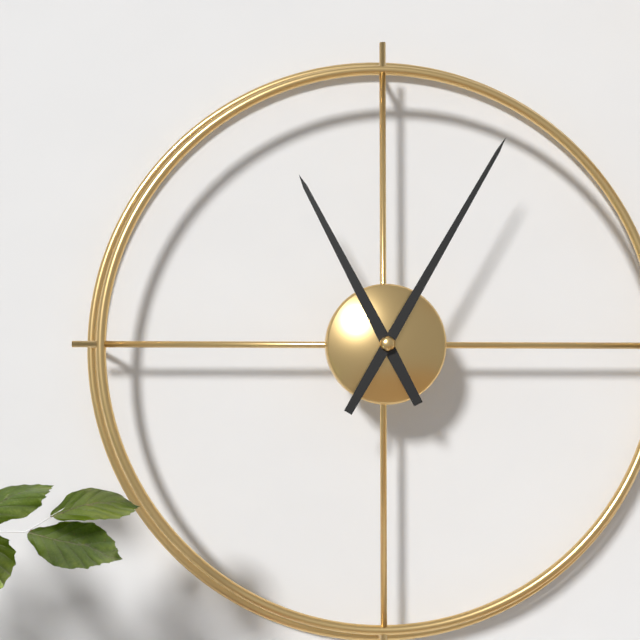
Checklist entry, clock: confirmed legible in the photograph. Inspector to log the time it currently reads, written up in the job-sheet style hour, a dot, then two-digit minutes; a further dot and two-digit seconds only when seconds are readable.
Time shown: 11.05
